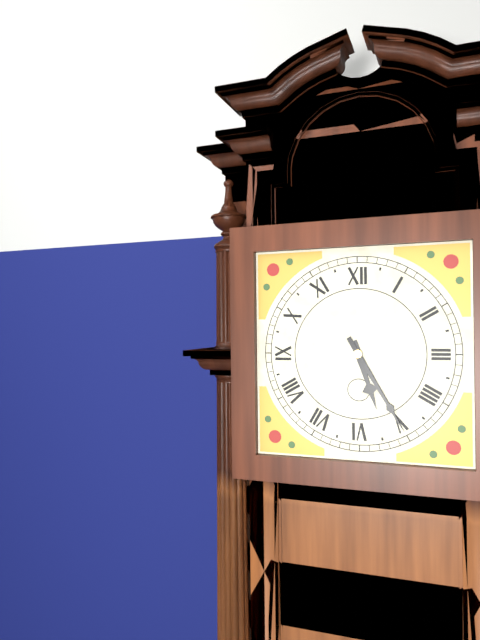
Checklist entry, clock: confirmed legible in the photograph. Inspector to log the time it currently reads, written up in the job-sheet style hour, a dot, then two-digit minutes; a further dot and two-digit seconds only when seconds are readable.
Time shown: 5.25
